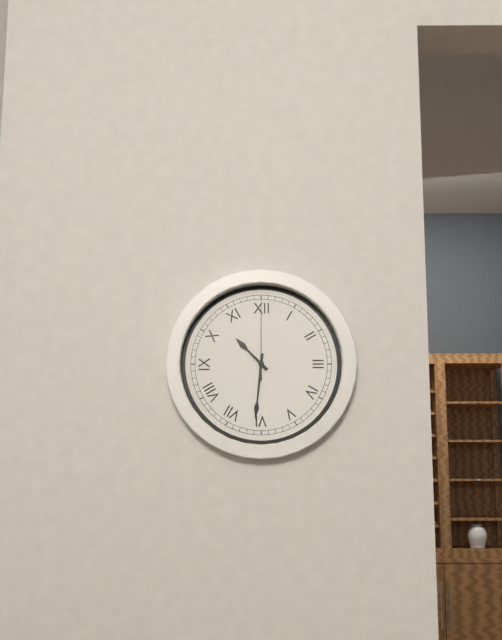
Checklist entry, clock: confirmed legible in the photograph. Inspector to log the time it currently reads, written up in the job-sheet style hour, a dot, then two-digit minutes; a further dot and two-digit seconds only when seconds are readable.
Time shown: 10.31.00
